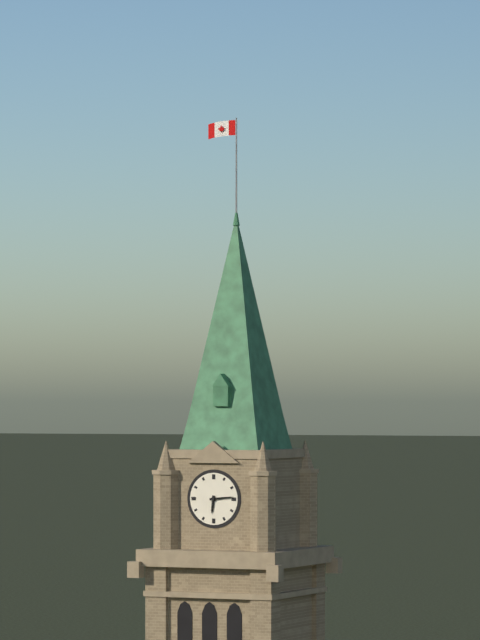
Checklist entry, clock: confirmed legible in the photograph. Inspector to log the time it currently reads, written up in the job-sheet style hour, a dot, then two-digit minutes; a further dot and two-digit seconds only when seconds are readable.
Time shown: 6.14
